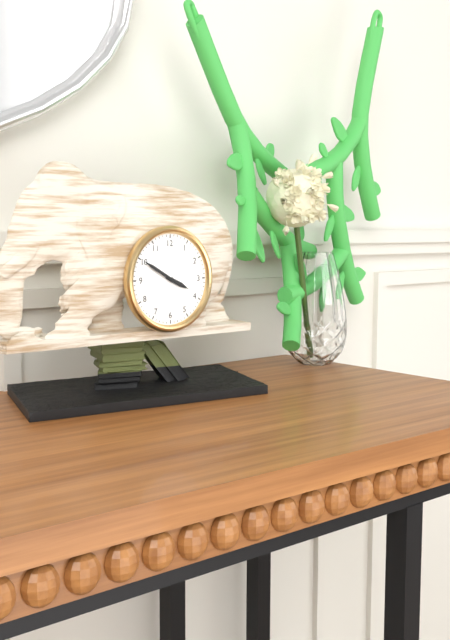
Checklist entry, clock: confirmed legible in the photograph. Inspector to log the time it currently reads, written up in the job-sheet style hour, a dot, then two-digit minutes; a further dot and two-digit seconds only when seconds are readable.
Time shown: 3.50
